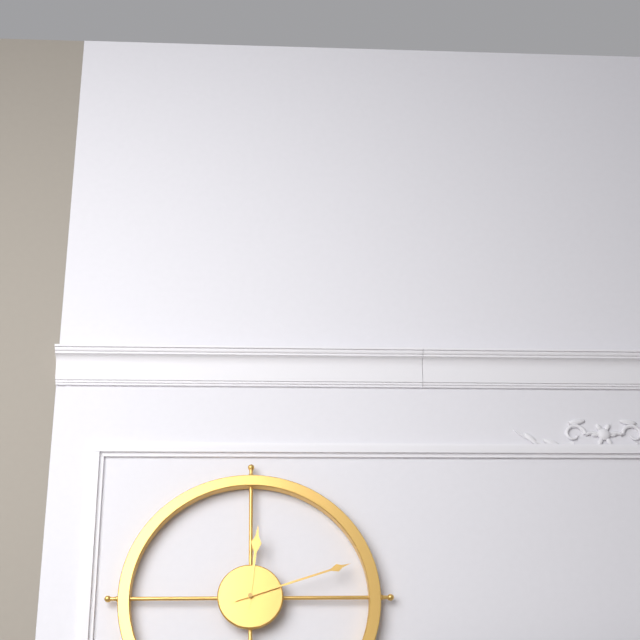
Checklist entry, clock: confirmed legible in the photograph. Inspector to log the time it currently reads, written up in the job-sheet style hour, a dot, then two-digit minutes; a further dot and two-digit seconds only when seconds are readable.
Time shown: 12.12
